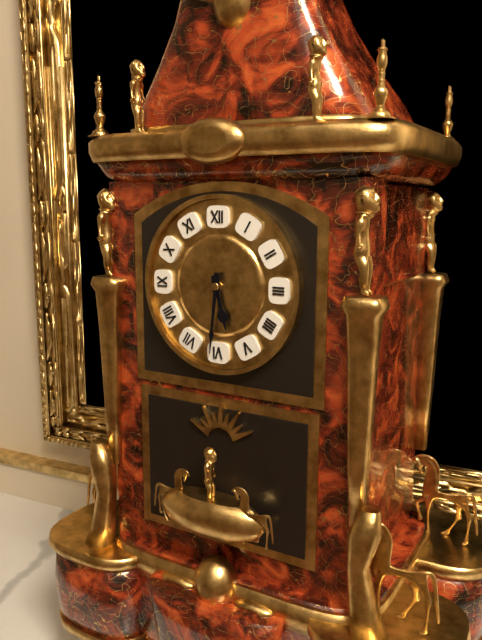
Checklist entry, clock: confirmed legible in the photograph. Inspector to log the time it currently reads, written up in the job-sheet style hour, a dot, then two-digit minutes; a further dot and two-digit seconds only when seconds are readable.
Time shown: 5.31
